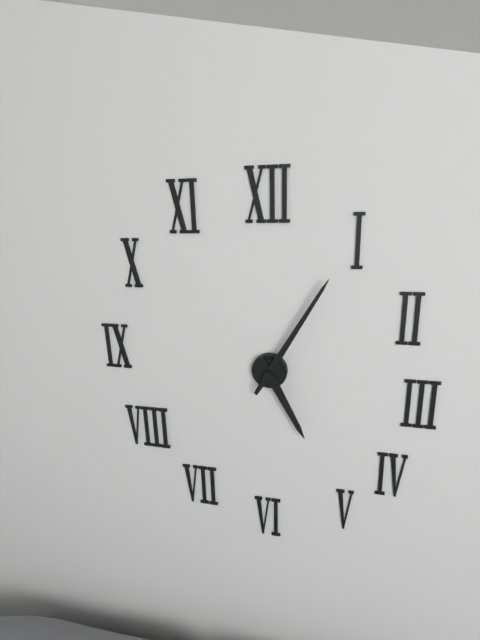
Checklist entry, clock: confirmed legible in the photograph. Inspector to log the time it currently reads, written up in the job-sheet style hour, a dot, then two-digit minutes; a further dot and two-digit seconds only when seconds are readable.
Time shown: 5.05
